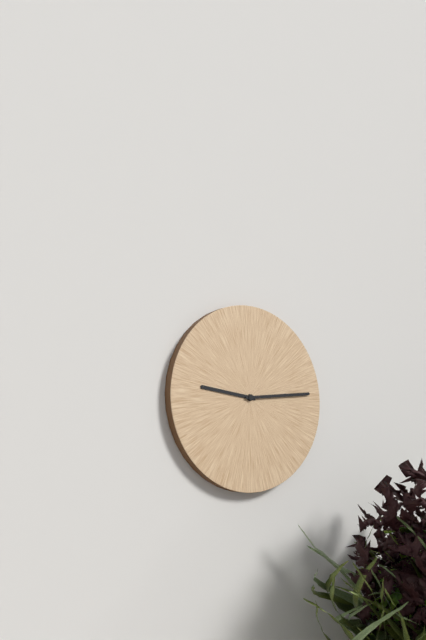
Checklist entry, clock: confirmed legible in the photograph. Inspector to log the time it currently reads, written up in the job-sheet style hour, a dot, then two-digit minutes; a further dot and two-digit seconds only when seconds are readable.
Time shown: 9.14
